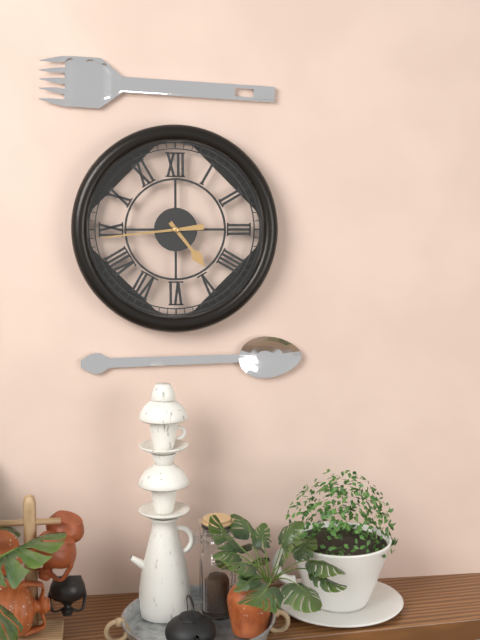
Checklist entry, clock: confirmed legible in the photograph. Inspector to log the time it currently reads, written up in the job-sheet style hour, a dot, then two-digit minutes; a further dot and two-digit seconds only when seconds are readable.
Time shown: 4.44
